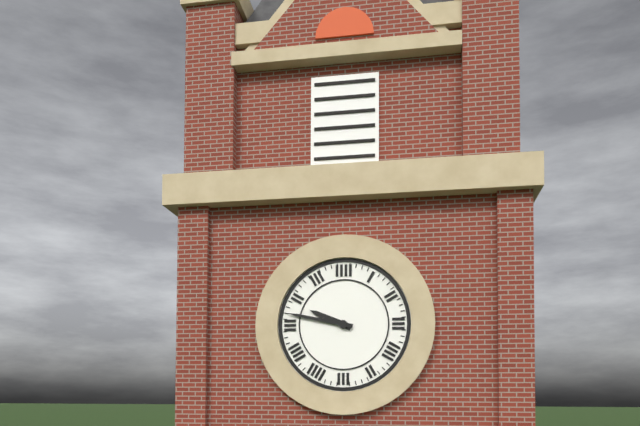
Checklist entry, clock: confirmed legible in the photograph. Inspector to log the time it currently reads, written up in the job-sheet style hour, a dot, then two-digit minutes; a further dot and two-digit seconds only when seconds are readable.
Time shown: 9.47
